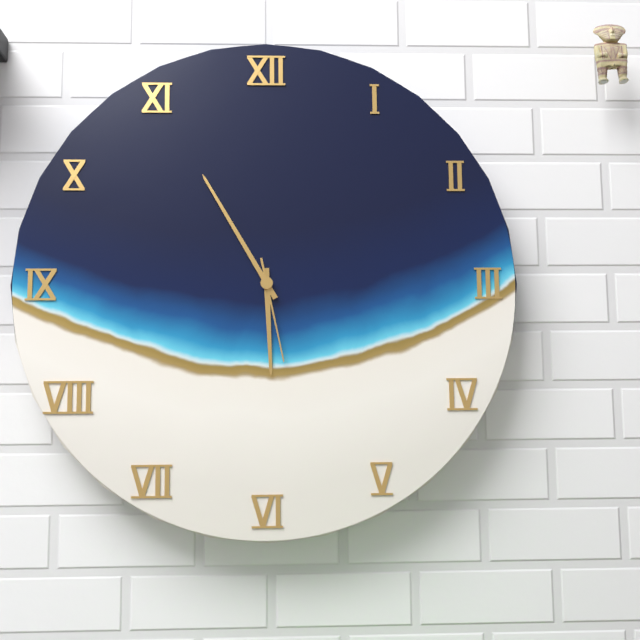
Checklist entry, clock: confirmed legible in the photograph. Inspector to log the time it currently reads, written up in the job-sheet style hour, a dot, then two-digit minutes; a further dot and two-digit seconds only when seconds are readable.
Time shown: 5.55.28
